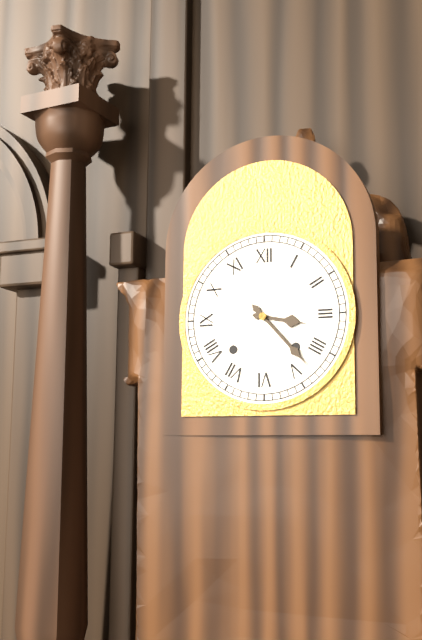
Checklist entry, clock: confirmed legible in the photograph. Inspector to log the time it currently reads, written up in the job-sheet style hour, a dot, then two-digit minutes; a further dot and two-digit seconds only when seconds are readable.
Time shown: 3.23
